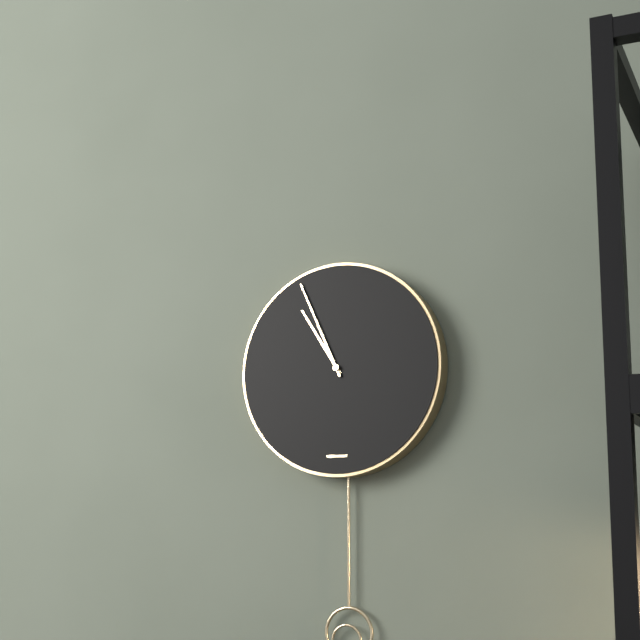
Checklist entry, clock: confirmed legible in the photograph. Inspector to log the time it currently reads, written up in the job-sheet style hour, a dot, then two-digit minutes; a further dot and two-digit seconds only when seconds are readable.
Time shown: 10.56
